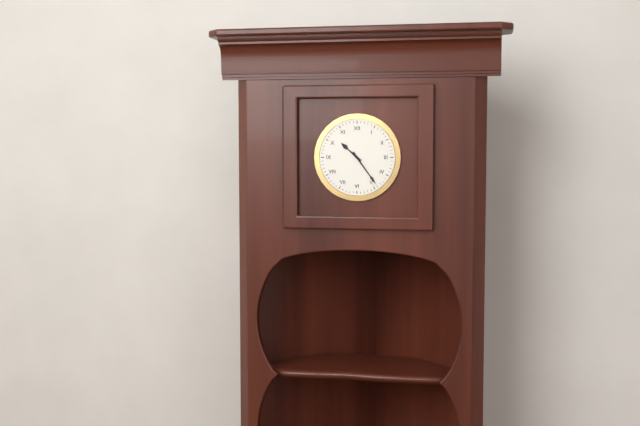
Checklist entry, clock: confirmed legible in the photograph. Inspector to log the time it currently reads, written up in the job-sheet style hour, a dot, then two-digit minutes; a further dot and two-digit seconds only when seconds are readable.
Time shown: 10.24
